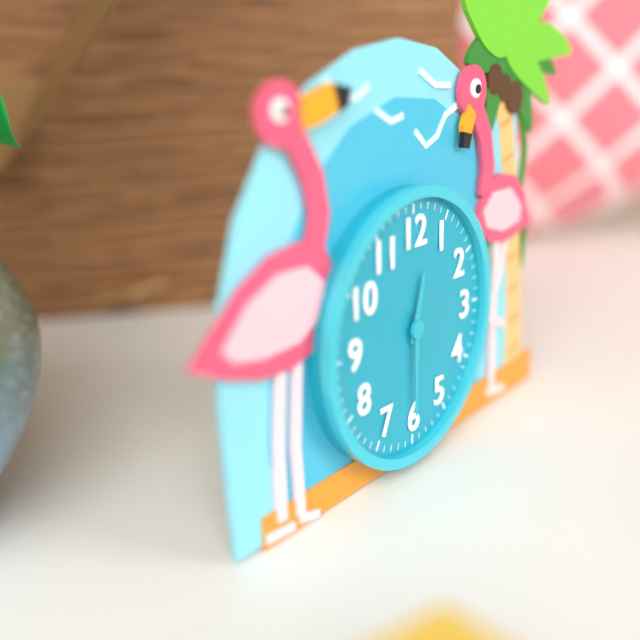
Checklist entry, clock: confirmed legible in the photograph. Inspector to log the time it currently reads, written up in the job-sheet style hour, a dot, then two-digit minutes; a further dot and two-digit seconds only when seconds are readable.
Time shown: 12.30
